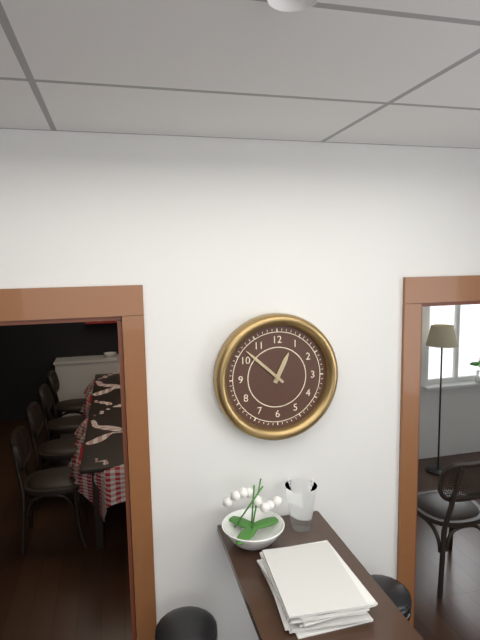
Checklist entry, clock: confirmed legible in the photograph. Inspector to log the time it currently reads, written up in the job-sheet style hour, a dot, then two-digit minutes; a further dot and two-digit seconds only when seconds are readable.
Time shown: 12.52
